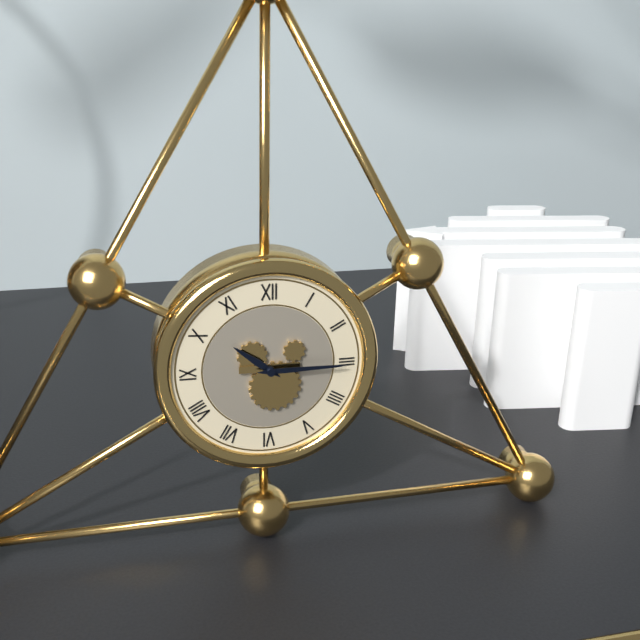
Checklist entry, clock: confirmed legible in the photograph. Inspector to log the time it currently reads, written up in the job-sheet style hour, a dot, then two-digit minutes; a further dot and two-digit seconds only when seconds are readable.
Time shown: 10.15
